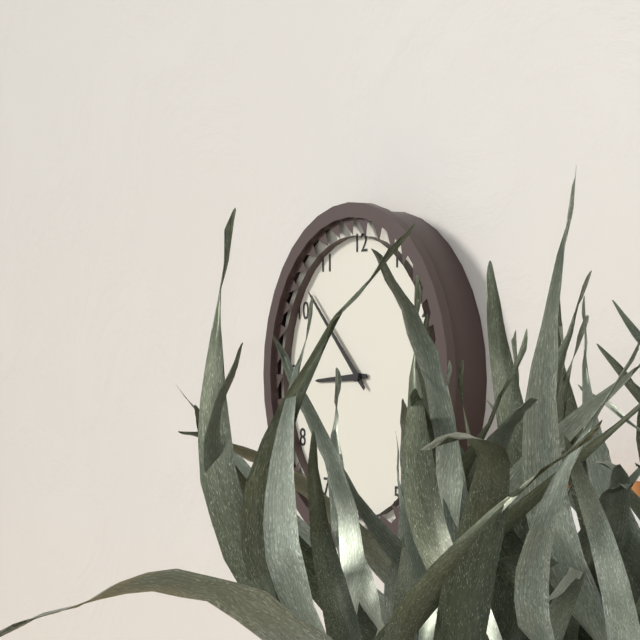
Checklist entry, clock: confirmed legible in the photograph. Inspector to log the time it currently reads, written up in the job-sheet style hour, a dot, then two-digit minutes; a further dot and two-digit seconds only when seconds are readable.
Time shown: 8.52
